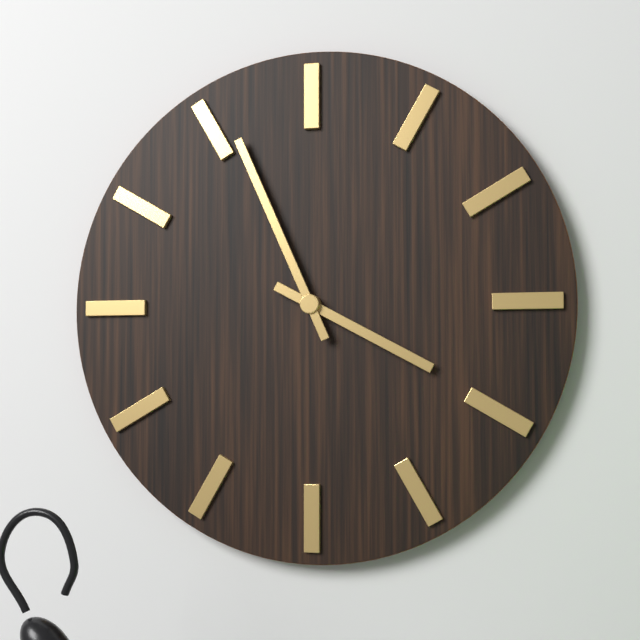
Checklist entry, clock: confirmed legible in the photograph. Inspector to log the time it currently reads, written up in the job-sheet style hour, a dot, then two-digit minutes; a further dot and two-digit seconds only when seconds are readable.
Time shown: 3.56
